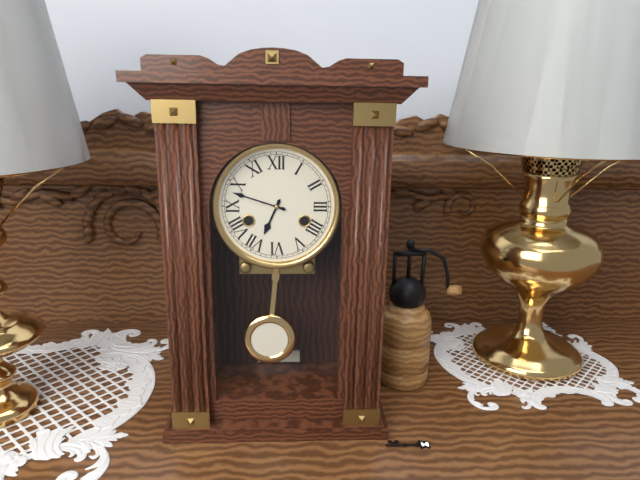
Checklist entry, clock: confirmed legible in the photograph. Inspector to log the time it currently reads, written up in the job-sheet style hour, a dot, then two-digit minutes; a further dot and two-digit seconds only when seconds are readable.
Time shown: 6.48
